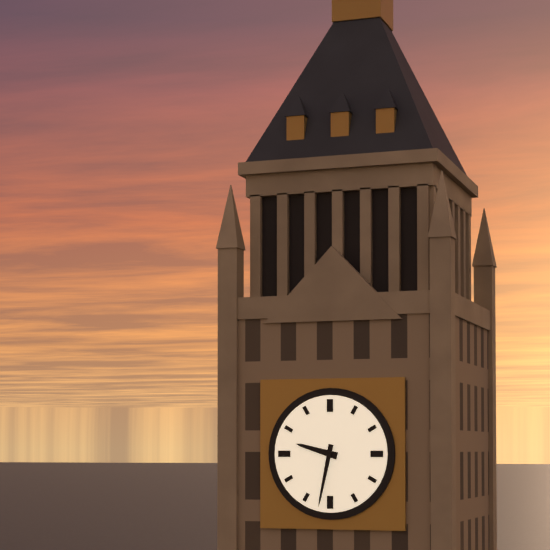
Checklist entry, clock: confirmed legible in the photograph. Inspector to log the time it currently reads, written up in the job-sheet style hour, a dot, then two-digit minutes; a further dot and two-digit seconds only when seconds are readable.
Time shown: 9.32
